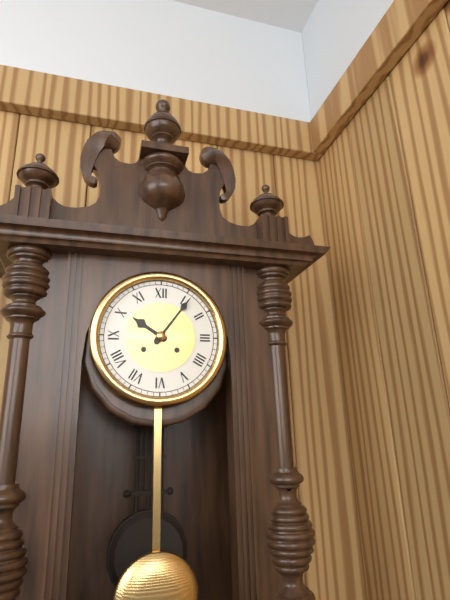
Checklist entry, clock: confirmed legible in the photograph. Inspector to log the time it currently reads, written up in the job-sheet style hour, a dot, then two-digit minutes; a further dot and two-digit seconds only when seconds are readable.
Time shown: 10.06
